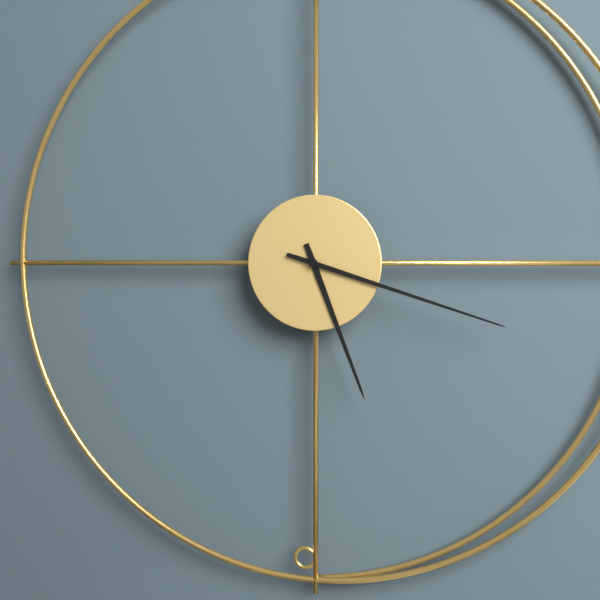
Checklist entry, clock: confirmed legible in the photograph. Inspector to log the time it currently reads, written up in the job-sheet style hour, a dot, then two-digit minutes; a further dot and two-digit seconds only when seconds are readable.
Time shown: 5.18
